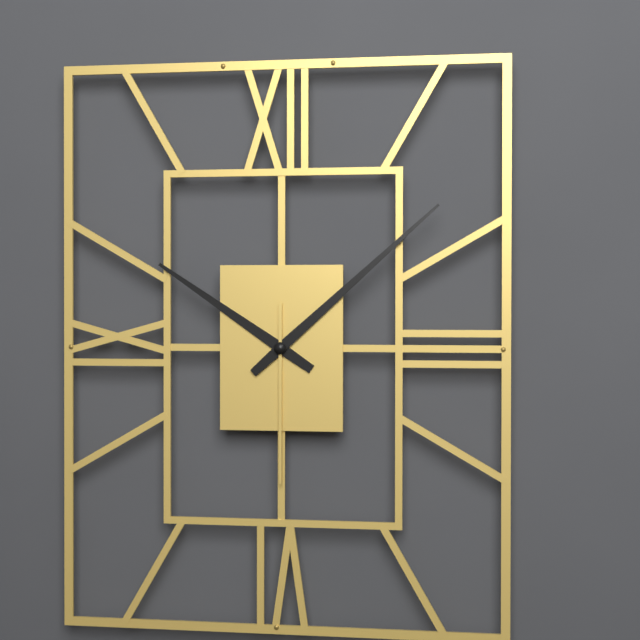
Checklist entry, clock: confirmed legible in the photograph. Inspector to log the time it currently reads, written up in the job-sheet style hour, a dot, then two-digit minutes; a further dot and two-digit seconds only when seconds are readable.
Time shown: 10.08.30
